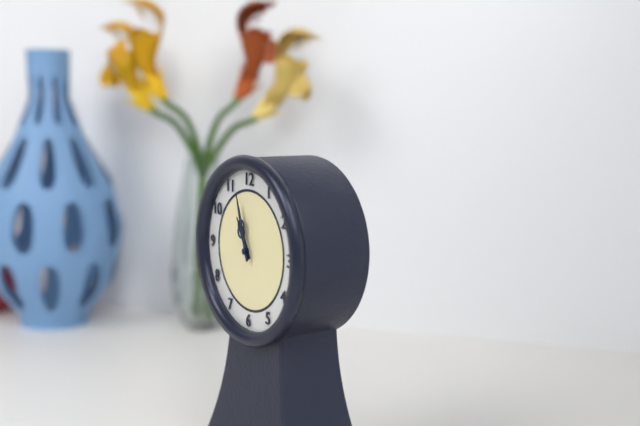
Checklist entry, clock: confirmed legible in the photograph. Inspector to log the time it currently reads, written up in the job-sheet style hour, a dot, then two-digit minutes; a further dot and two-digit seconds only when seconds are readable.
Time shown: 10.57
